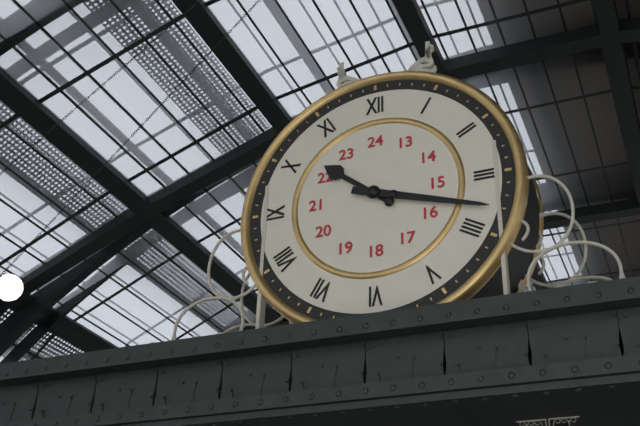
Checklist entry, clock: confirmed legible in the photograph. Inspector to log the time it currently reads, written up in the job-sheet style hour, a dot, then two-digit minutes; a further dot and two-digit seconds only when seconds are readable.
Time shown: 10.18
